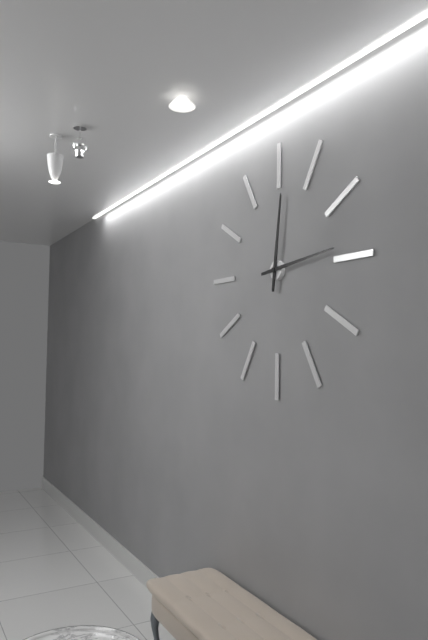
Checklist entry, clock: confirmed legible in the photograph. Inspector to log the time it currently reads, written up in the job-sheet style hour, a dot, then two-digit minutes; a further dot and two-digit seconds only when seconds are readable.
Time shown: 12.14
